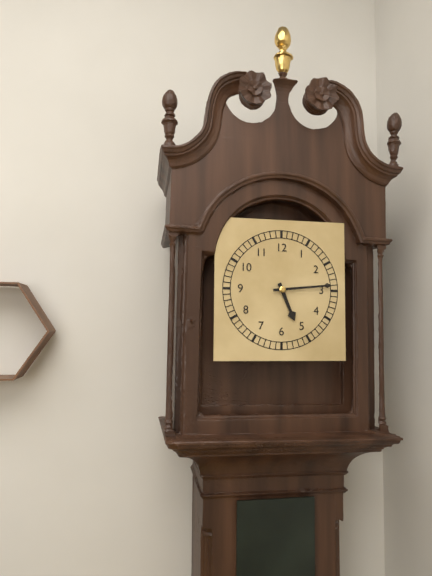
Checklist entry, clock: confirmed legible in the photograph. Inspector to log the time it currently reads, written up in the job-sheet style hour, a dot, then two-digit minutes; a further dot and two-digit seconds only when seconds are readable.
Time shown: 5.14
